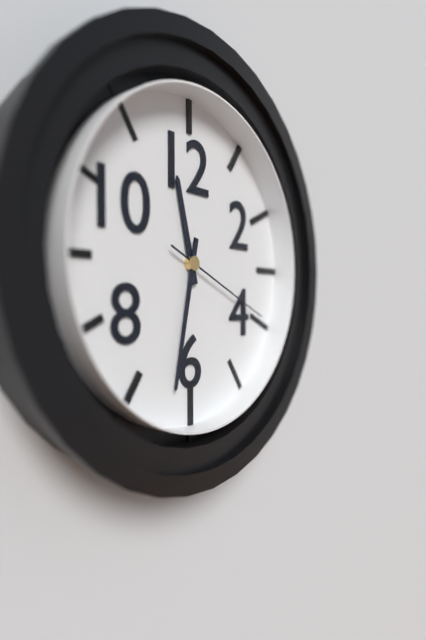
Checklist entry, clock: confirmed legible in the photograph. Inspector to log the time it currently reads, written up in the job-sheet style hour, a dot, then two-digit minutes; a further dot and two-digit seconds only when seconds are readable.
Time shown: 11.32.19
